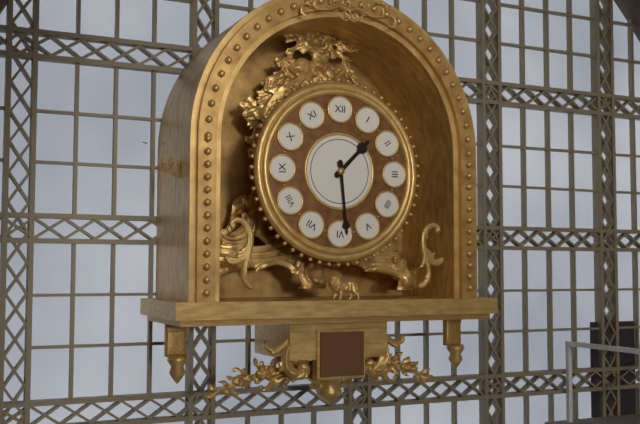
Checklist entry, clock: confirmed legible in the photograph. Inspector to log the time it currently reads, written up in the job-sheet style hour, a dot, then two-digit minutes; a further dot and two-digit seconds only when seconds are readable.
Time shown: 1.29
